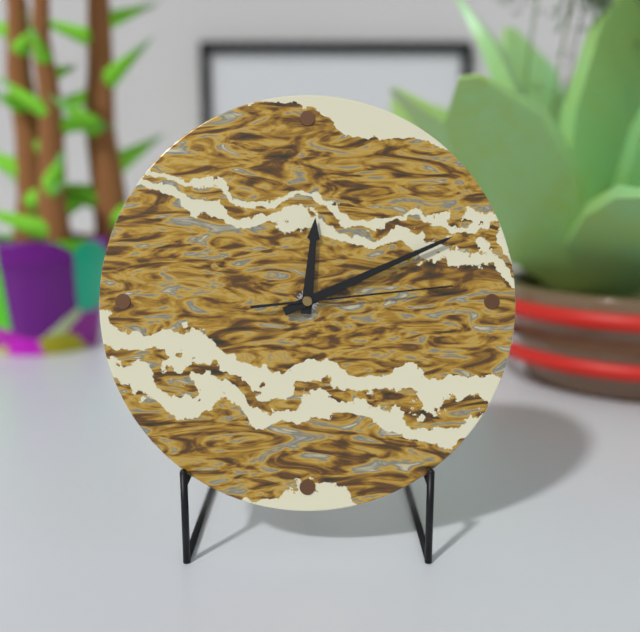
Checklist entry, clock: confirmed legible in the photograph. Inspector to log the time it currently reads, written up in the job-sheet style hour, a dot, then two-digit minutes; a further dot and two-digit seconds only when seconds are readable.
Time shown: 12.11.14
